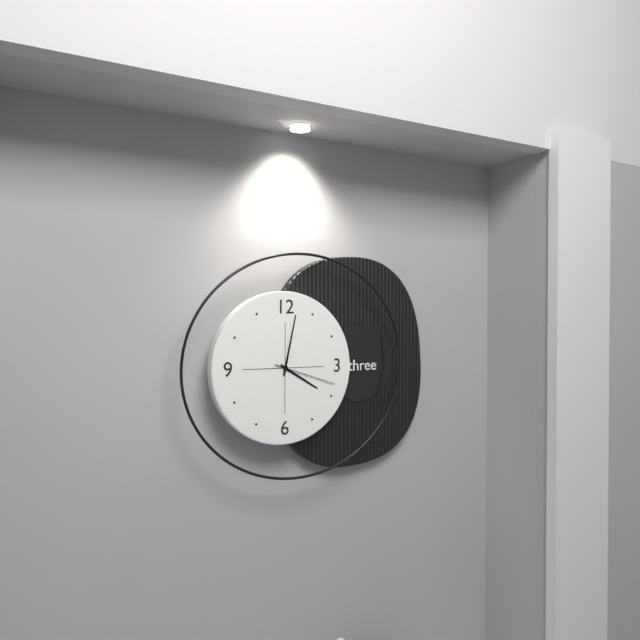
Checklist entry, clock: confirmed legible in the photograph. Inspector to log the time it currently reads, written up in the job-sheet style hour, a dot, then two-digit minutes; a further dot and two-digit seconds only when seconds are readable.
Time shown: 4.02.18
